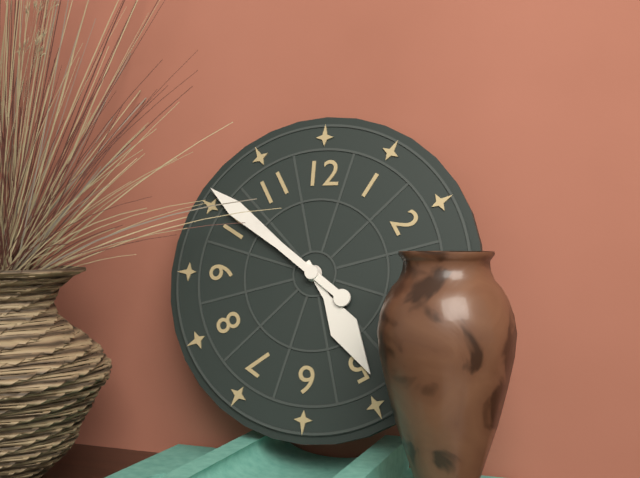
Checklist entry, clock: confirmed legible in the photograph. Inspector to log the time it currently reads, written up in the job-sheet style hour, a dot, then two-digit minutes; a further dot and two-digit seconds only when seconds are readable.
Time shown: 4.51
